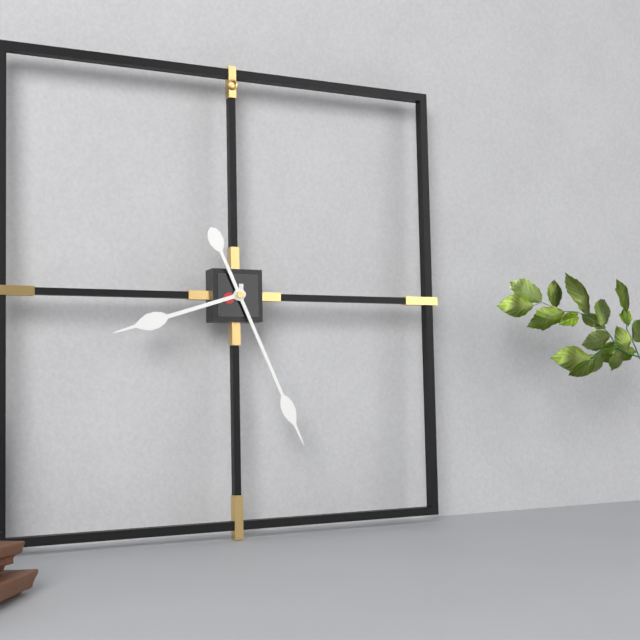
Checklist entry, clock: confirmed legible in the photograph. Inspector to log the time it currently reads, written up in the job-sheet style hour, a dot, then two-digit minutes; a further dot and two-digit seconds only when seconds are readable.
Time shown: 8.26
